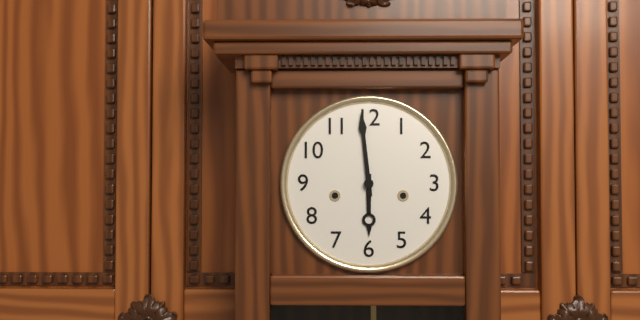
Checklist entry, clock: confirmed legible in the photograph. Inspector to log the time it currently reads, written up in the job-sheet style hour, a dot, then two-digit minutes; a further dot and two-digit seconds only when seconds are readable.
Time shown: 5.59
